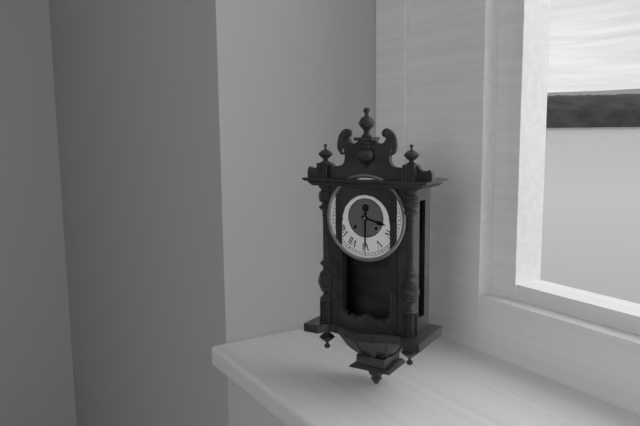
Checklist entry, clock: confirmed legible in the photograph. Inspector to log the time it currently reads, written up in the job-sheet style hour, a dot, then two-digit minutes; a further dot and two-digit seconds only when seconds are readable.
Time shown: 3.30
